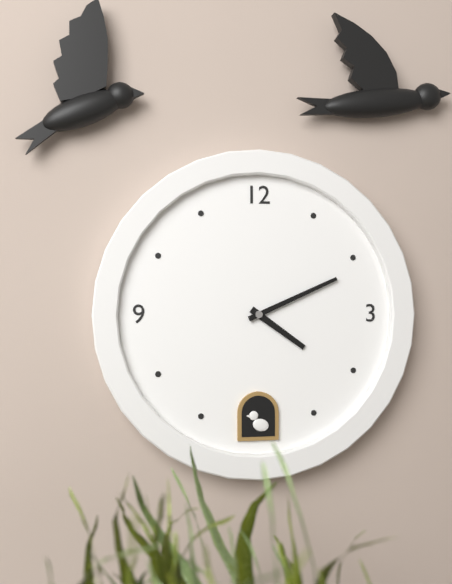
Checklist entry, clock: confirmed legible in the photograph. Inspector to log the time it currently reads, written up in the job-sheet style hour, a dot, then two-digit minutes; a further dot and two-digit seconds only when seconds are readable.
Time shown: 4.11
